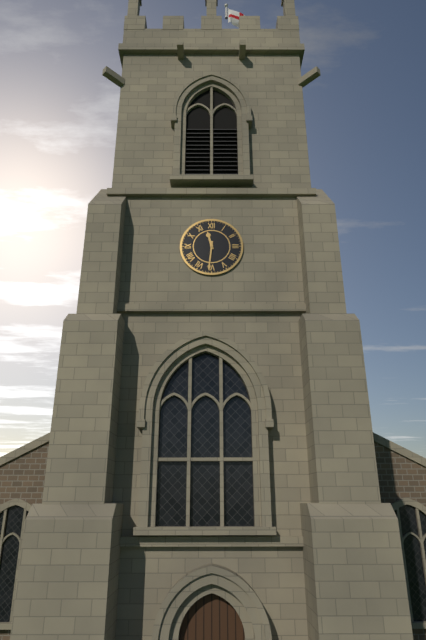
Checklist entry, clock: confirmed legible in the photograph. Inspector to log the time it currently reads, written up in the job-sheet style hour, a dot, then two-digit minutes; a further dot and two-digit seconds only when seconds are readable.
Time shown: 11.31
